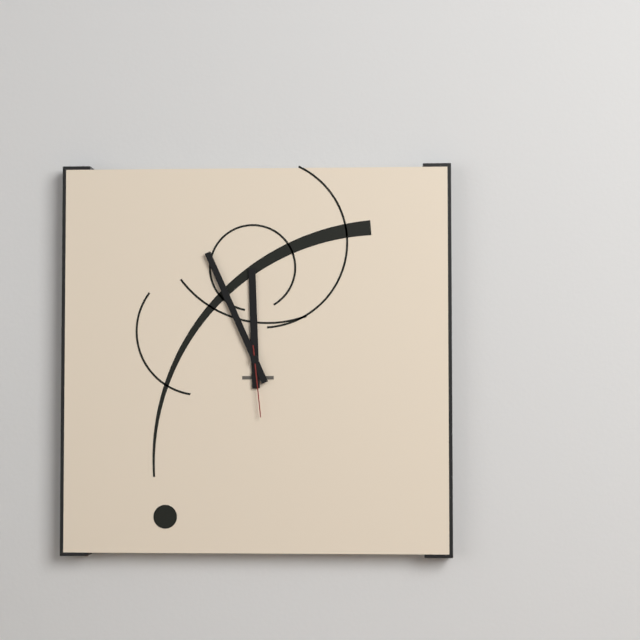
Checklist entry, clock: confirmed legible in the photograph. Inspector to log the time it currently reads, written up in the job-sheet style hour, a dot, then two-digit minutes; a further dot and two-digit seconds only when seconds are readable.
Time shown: 11.56.29
